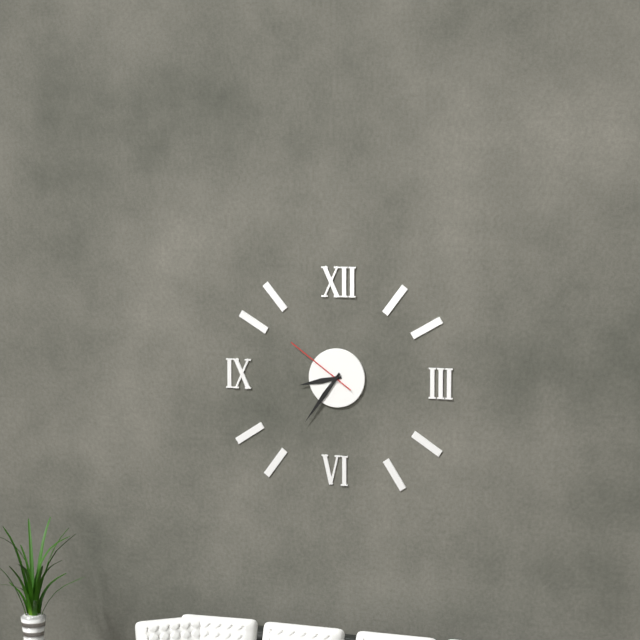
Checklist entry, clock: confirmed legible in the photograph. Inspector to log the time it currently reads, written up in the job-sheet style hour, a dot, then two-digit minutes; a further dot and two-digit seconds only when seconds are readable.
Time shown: 8.36.51
